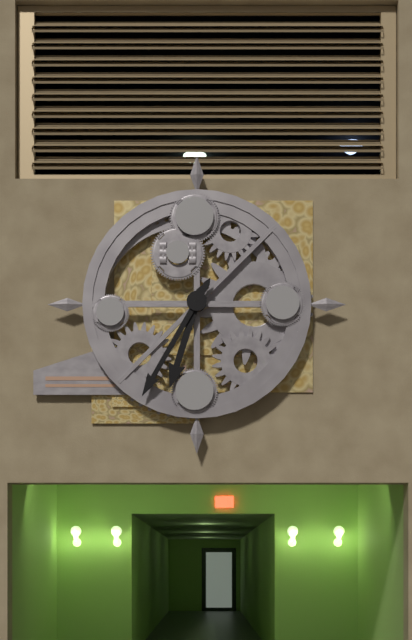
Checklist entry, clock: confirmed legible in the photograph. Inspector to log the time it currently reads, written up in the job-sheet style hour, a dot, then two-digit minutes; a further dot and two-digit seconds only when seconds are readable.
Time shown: 6.35
